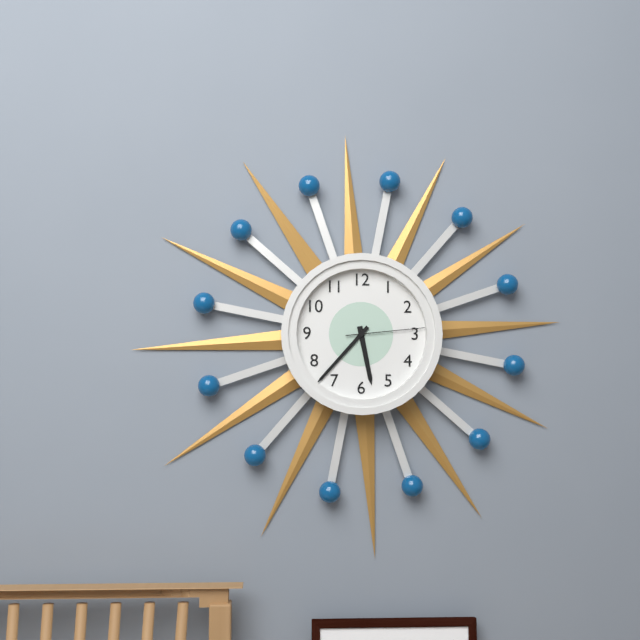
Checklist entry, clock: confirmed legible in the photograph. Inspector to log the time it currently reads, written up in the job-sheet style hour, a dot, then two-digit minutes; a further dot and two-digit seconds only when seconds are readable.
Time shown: 5.37.14
